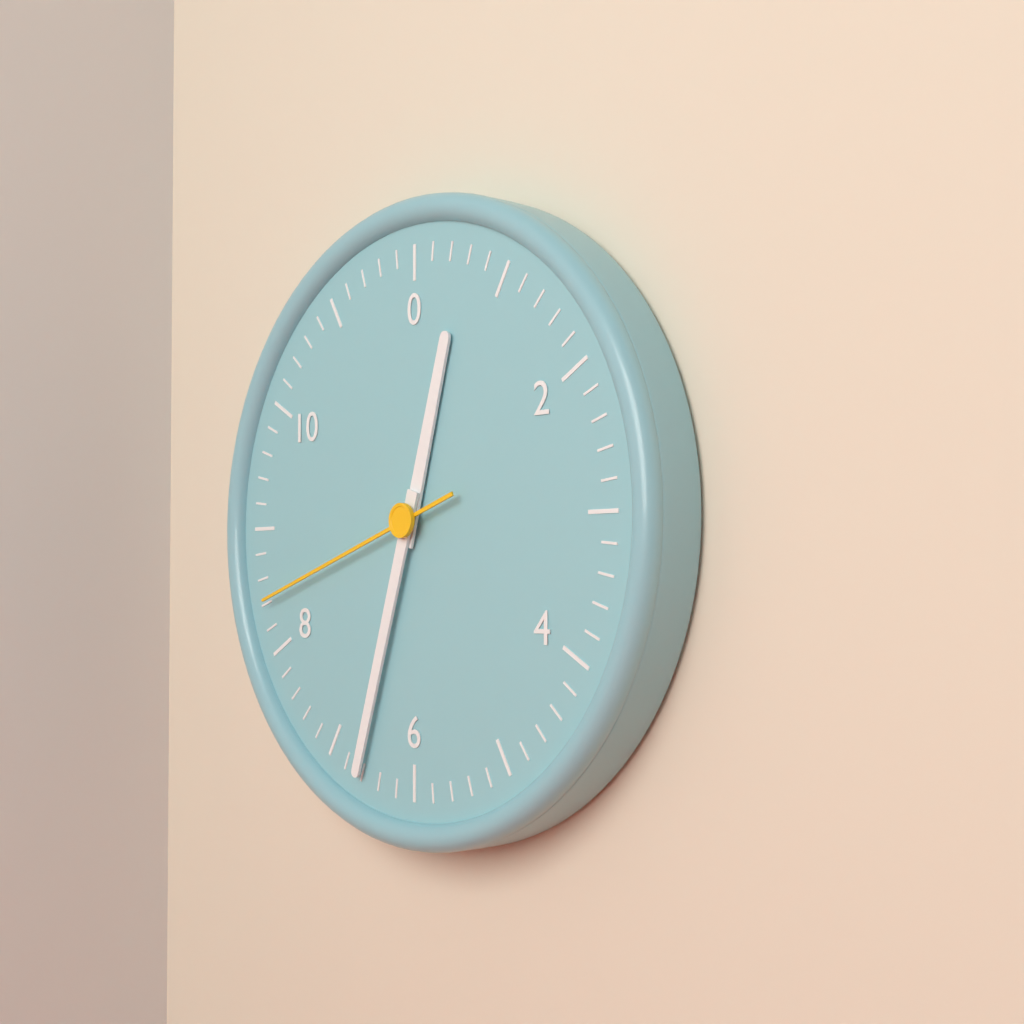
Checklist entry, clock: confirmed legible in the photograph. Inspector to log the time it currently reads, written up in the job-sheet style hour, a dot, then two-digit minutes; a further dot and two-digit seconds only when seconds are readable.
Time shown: 12.33.42
